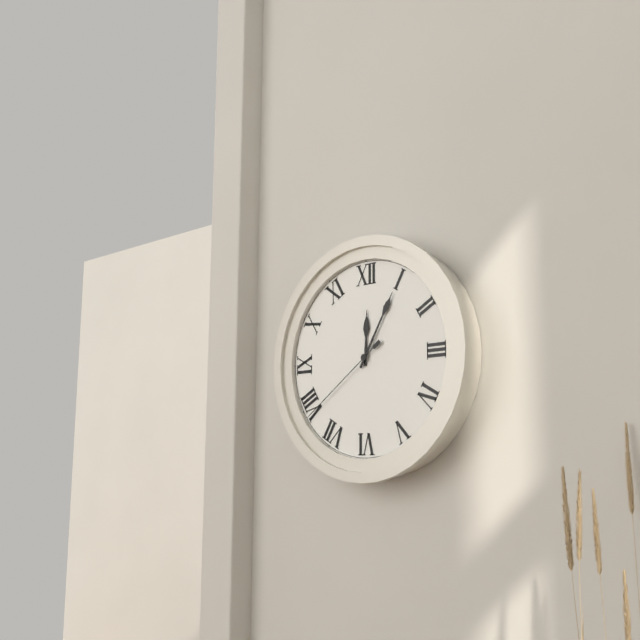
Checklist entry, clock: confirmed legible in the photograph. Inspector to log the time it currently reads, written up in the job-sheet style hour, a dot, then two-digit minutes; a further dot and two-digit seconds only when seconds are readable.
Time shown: 12.05.39
